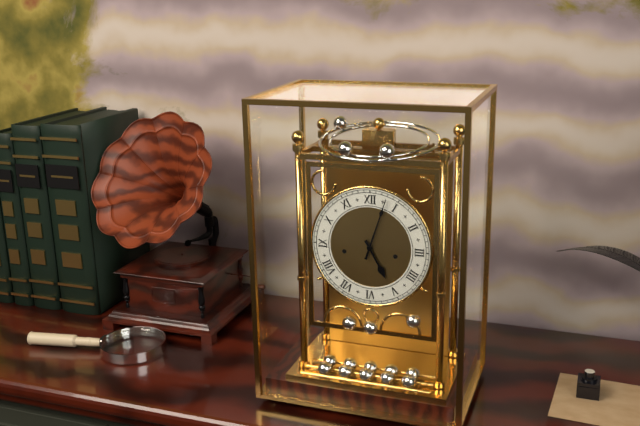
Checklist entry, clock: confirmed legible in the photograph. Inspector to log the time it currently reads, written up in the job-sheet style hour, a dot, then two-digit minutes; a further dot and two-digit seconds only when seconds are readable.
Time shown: 5.03
